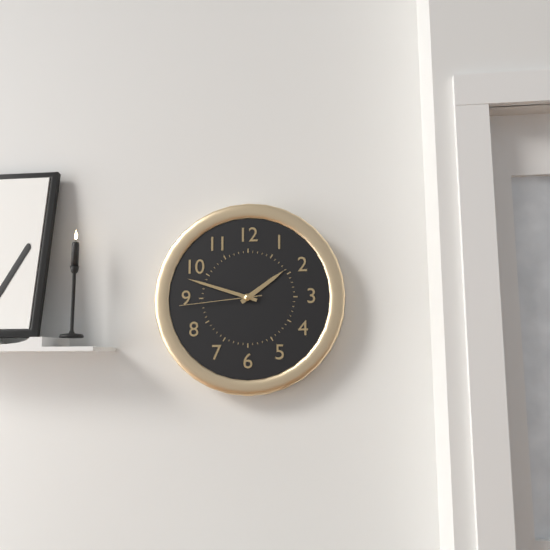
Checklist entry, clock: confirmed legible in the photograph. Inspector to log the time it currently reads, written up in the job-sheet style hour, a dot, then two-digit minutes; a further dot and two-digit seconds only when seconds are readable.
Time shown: 1.48.44
